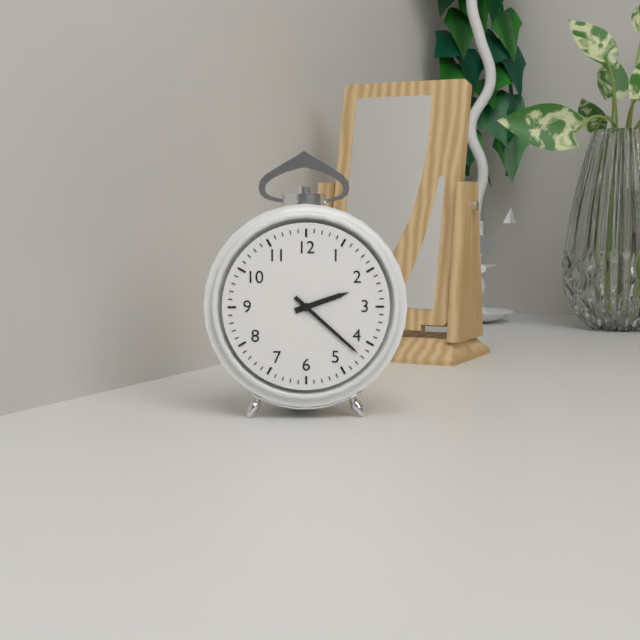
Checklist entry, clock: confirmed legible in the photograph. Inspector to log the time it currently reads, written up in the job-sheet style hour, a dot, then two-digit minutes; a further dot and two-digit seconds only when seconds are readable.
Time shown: 2.22
